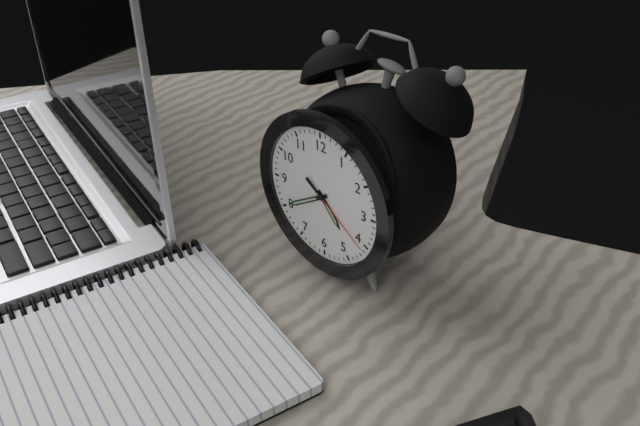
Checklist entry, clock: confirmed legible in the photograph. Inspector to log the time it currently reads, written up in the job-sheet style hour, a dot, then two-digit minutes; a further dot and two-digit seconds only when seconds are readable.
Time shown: 4.40.21
